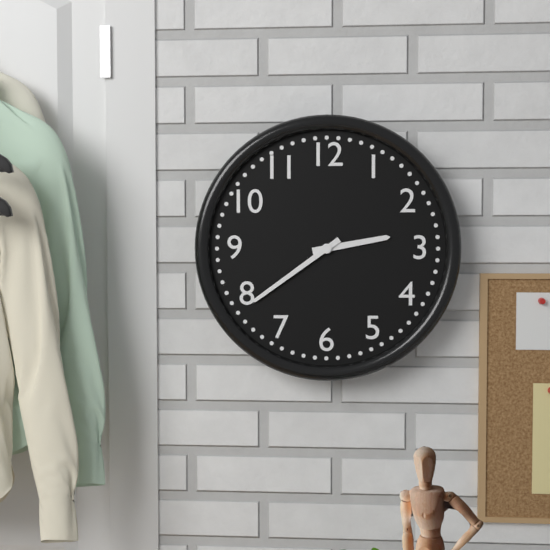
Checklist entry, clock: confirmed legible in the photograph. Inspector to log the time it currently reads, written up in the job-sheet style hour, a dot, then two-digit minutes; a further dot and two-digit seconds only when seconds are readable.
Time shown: 2.39
